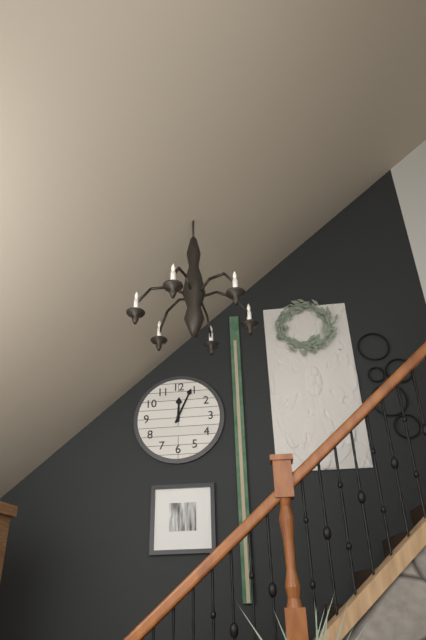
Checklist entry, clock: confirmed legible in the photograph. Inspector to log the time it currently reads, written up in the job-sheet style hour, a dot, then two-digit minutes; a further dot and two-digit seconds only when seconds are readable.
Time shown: 12.04
